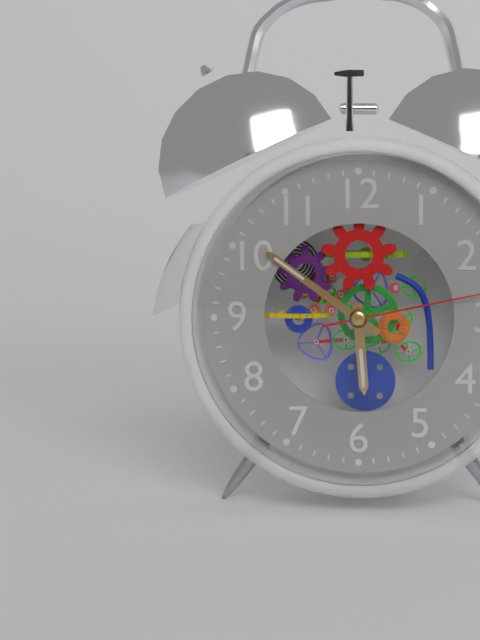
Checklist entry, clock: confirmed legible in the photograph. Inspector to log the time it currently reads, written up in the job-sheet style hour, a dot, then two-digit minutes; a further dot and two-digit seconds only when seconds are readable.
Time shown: 5.51
